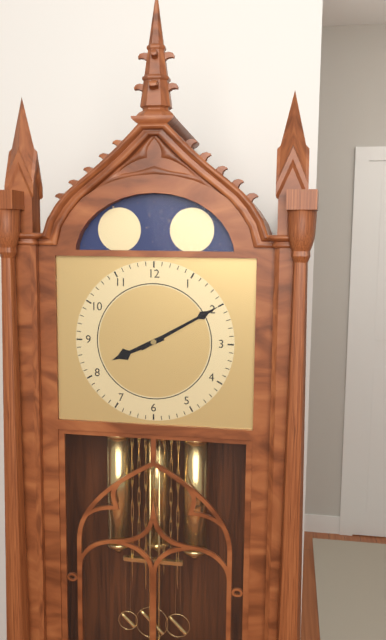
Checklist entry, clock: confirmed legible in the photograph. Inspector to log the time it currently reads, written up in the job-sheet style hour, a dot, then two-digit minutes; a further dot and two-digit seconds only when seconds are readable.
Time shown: 8.10
